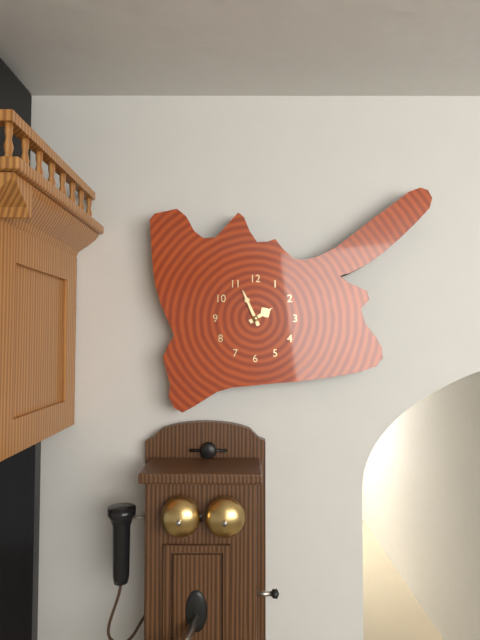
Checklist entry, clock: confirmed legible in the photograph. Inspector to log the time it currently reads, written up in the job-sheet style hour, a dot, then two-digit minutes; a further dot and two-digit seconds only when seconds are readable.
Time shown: 1.56
